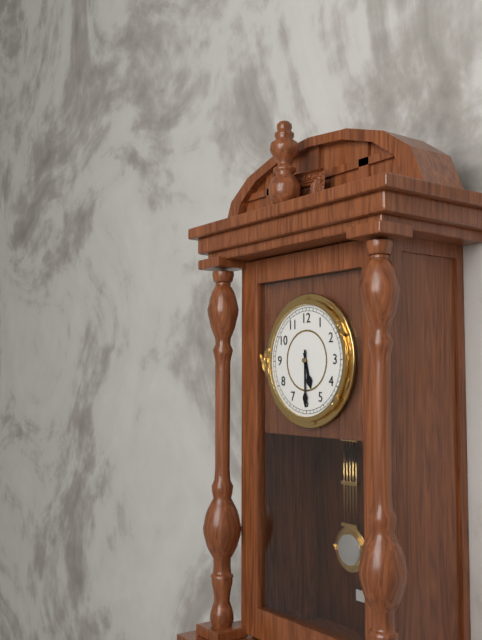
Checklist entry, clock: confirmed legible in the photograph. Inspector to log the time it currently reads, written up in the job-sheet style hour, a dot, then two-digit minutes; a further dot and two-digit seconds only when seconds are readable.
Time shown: 5.30
